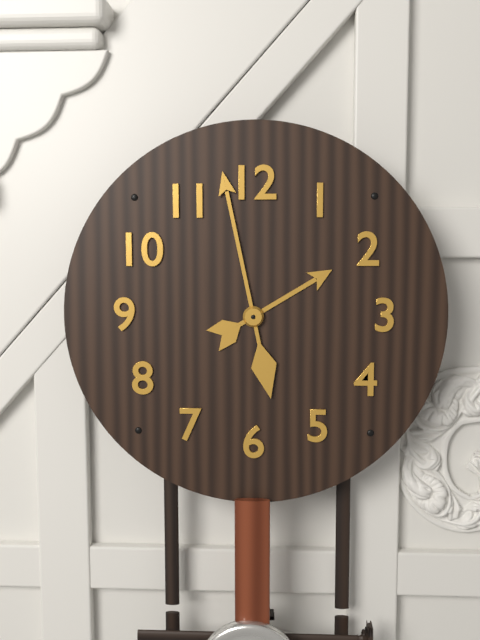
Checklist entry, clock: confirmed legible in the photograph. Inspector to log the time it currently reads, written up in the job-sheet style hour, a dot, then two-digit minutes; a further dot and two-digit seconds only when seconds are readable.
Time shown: 1.58
